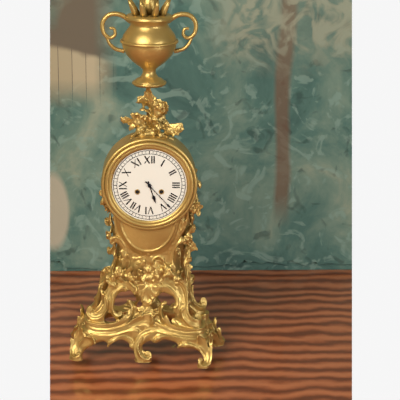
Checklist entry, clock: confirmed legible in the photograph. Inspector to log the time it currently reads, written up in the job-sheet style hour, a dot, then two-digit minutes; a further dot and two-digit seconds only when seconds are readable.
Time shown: 5.23
